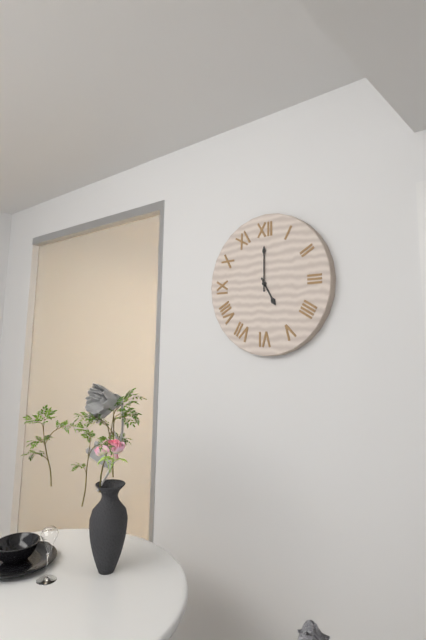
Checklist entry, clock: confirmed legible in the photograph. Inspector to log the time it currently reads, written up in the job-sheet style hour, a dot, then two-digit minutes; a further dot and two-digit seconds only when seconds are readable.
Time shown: 5.00
